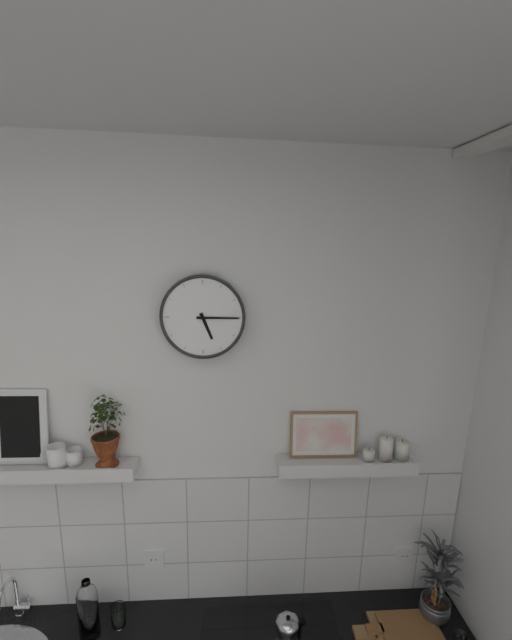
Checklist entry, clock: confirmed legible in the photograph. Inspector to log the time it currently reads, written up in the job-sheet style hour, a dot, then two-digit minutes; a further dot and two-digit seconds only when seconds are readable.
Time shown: 5.15
